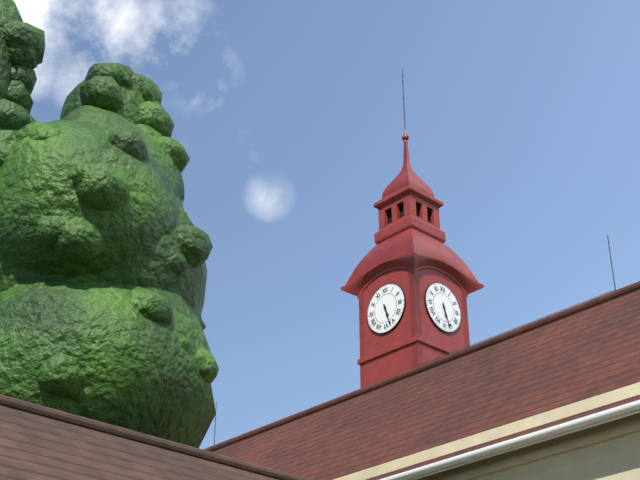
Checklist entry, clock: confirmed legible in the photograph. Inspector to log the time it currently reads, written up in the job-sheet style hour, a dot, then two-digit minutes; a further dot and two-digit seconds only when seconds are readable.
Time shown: 5.27
